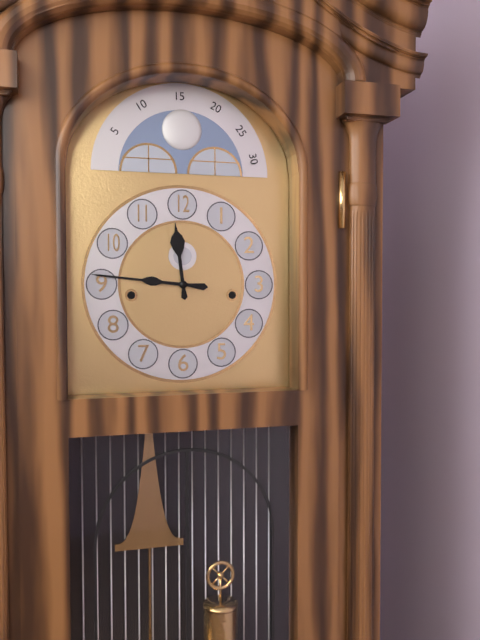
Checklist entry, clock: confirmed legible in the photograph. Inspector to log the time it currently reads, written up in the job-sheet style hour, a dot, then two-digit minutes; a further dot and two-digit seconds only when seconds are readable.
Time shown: 11.46
